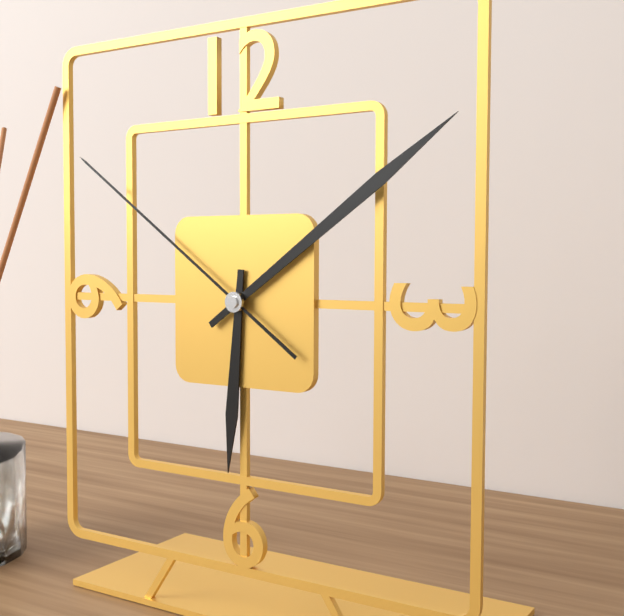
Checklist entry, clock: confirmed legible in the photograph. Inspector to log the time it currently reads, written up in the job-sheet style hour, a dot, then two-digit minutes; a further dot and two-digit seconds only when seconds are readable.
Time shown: 6.09.51
